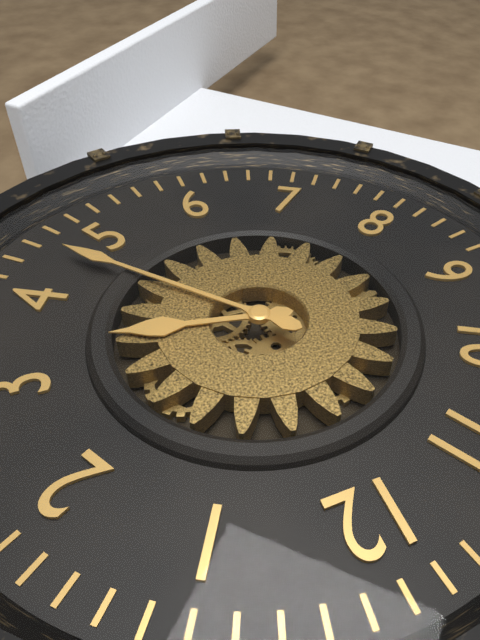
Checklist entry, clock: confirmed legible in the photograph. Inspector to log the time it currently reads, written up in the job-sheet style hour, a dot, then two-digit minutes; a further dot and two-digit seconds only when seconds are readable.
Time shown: 3.23
